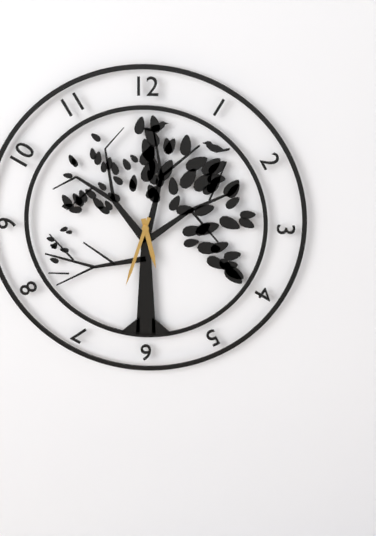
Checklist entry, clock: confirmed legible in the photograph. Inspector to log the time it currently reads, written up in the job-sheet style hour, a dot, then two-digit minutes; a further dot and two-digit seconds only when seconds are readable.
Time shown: 5.33
